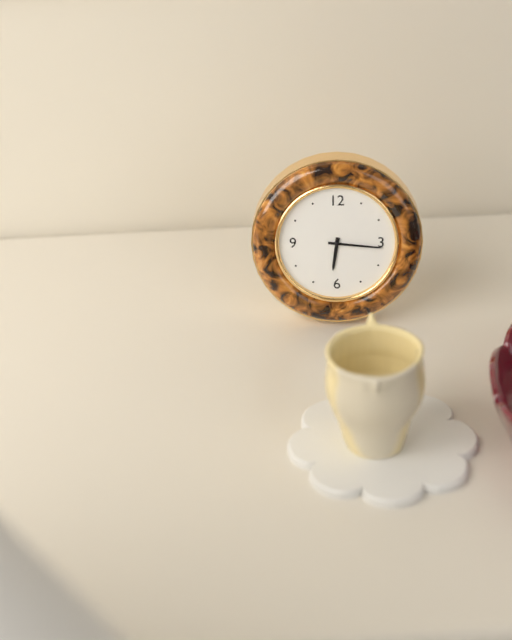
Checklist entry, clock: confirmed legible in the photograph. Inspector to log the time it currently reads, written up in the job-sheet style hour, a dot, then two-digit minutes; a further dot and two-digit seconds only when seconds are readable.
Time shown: 6.16
